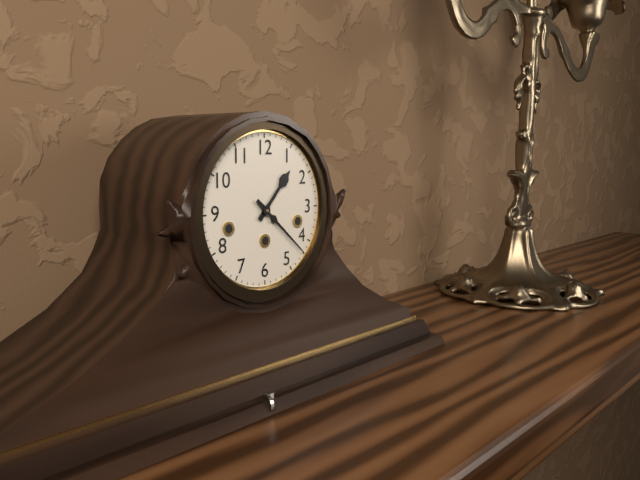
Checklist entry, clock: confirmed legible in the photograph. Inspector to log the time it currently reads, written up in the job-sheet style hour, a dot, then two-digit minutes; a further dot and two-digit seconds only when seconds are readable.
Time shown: 1.22
